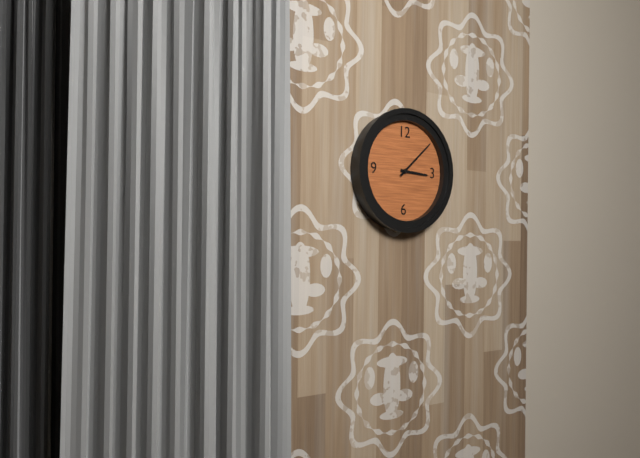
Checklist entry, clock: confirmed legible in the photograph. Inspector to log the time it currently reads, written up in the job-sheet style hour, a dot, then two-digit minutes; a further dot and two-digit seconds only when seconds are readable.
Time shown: 3.08
